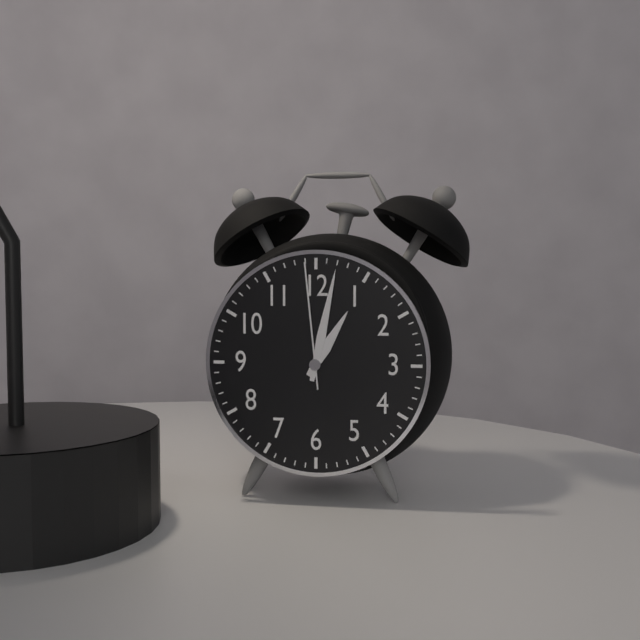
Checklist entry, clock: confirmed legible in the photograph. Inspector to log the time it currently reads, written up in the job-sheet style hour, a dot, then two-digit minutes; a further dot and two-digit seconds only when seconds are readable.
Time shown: 1.02.59
